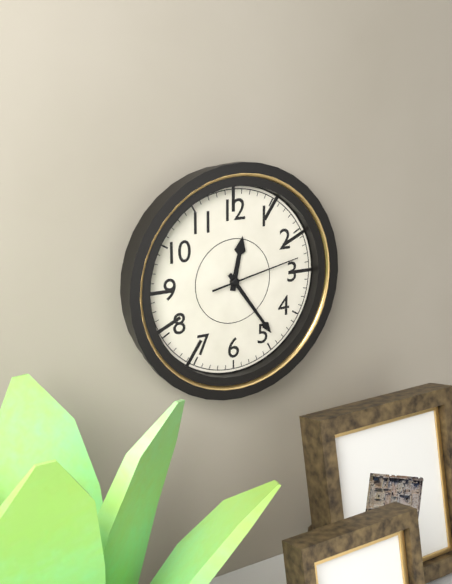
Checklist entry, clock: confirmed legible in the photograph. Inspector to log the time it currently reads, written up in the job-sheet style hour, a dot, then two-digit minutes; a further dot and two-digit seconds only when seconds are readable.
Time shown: 12.24.13
